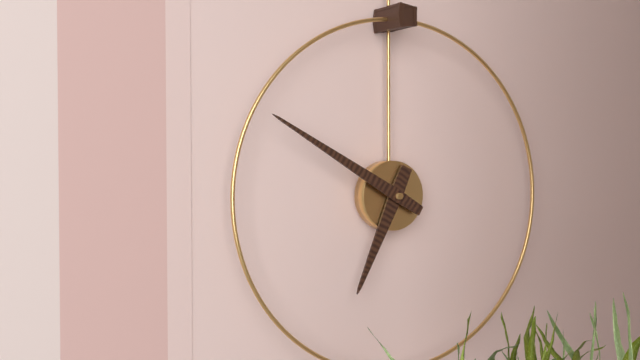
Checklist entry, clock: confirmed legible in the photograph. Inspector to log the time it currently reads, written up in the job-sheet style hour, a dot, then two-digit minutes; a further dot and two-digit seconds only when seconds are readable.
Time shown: 6.50
